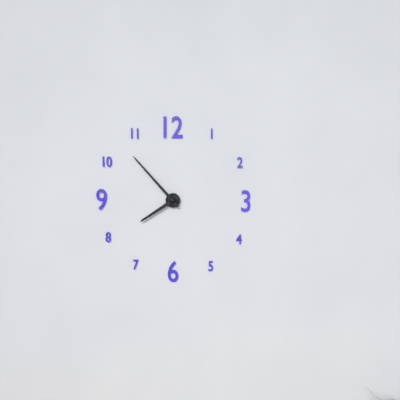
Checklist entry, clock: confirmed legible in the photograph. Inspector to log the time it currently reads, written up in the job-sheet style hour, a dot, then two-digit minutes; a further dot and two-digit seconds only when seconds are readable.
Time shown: 7.53
